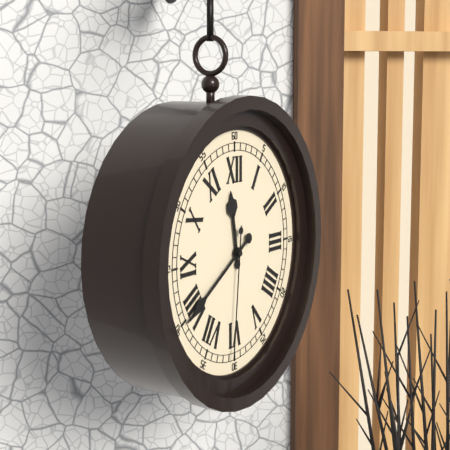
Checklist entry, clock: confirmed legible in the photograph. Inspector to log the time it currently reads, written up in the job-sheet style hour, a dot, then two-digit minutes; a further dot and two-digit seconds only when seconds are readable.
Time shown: 11.40.31
